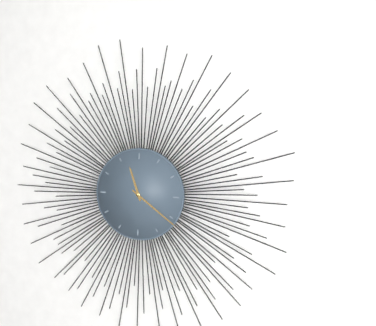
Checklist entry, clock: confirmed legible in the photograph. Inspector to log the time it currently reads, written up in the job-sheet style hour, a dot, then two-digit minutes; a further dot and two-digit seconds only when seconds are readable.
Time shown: 11.21
